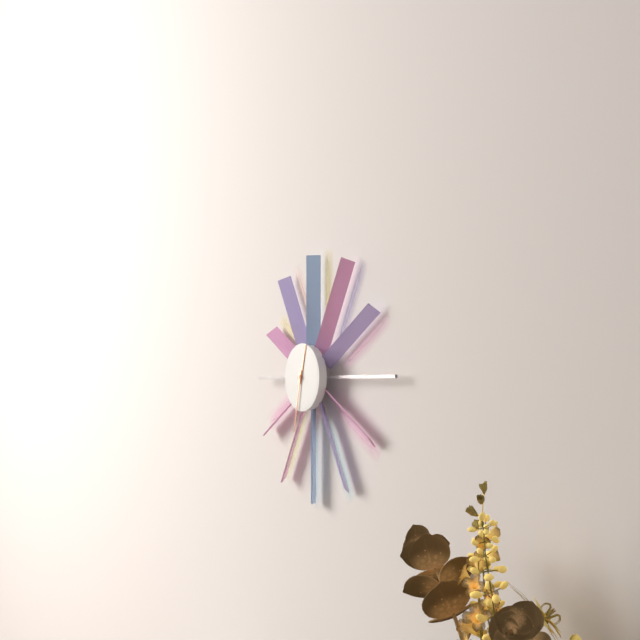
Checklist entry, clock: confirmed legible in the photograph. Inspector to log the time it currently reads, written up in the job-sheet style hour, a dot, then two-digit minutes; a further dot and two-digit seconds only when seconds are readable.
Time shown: 12.32
